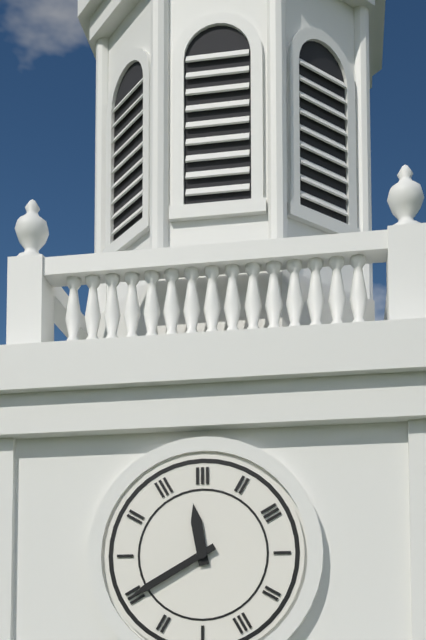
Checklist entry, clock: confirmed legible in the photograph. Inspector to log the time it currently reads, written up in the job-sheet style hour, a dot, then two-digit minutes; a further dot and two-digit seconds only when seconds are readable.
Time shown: 11.40
